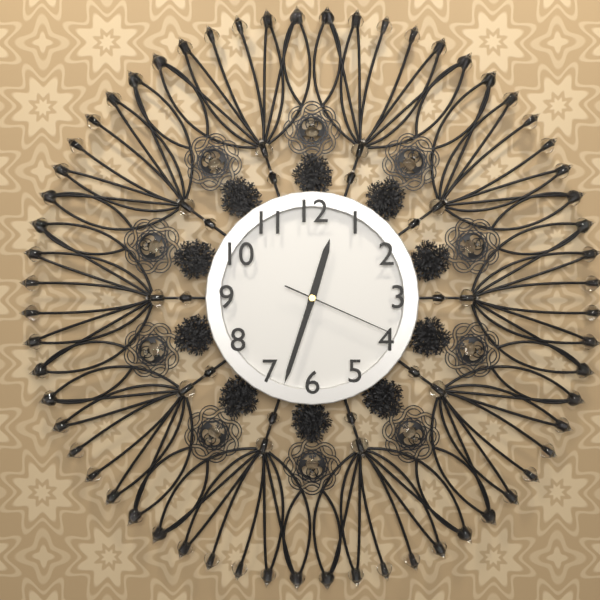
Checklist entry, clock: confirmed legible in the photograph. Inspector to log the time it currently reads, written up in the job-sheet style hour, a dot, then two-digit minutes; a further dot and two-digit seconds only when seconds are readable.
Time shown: 12.33.19
